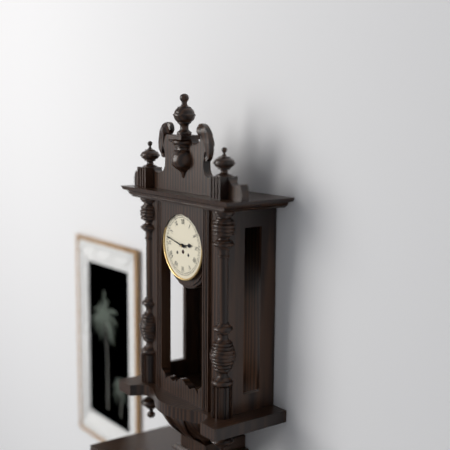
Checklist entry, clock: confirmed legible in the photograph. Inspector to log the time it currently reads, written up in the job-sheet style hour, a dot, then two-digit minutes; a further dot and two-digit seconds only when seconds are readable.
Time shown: 2.47
